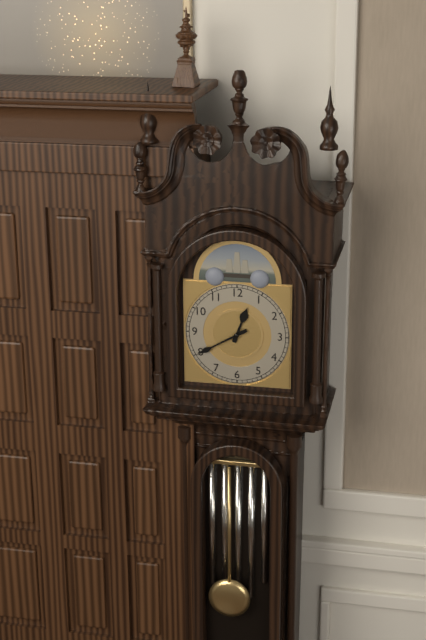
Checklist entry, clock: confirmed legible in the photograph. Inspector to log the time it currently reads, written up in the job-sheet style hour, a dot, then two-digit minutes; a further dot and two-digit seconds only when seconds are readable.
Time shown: 12.40
